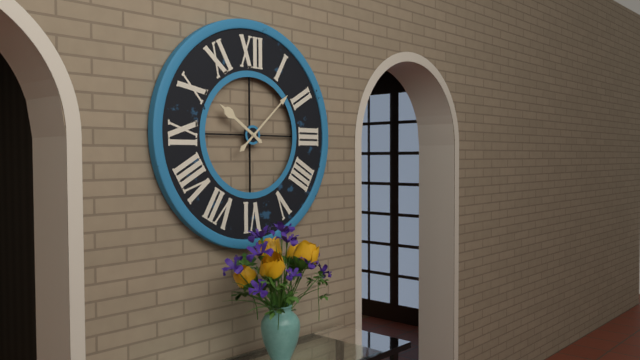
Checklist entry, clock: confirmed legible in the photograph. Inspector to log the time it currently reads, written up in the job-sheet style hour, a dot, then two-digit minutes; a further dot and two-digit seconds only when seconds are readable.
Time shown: 10.08
